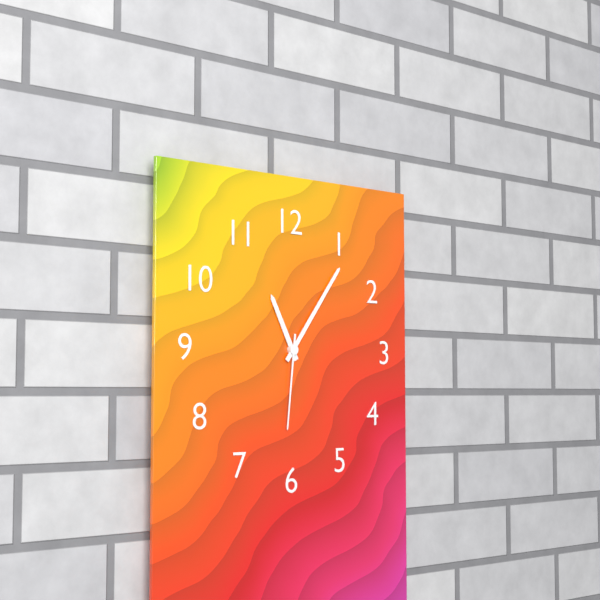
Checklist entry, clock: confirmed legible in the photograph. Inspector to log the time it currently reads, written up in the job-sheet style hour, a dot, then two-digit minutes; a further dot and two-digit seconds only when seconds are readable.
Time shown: 11.06.31
